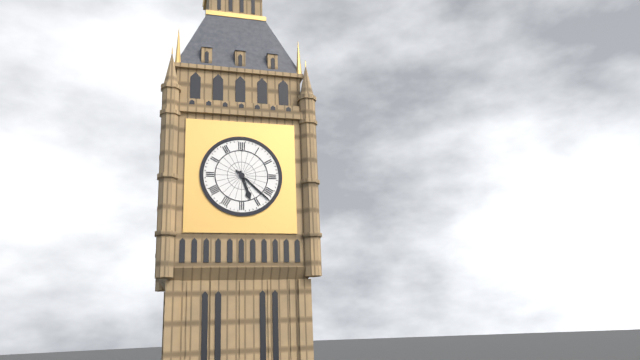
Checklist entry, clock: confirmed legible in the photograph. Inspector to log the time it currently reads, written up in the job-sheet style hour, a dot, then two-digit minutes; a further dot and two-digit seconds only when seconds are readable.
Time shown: 5.22
